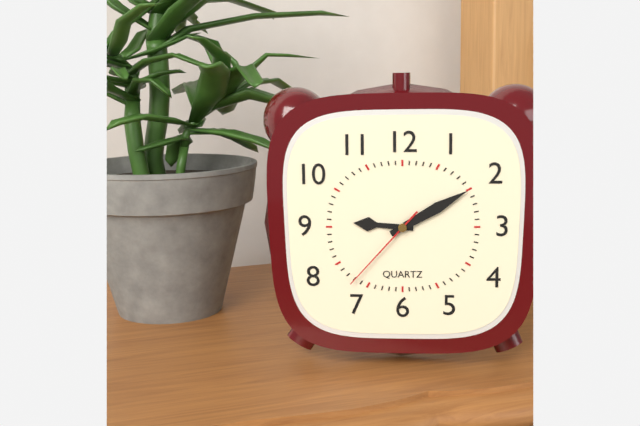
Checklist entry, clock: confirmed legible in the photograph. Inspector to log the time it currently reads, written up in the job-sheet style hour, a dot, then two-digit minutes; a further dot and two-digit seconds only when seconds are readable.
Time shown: 9.10.37
